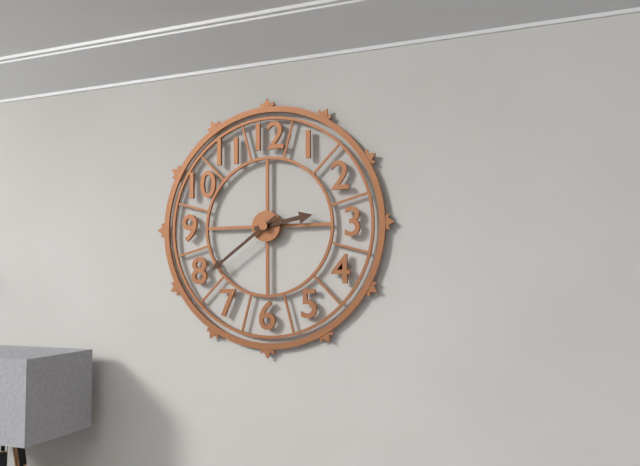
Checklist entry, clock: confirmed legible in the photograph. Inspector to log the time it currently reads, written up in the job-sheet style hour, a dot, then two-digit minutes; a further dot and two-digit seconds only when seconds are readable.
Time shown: 2.39
